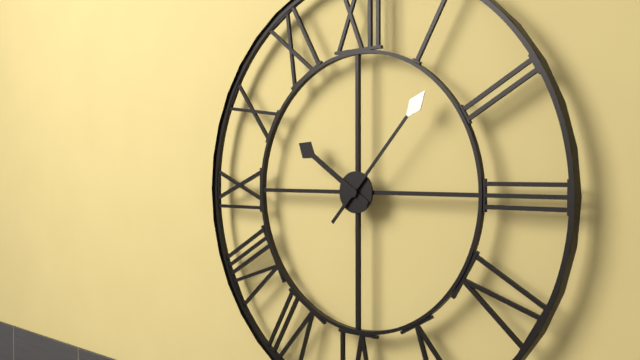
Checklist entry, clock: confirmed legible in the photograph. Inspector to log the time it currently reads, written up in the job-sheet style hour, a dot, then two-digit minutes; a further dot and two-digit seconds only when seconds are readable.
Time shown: 10.07
